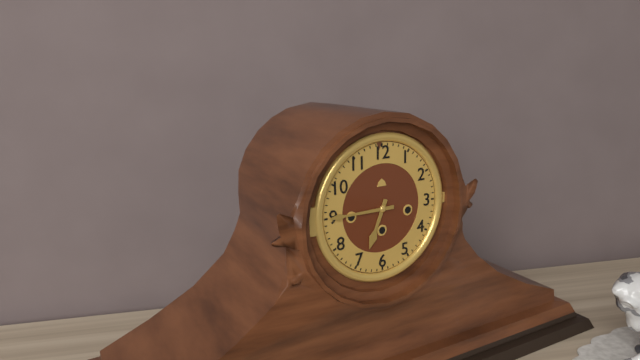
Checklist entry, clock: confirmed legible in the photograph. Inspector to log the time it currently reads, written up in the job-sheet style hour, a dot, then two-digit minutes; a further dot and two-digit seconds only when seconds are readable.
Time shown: 6.45
